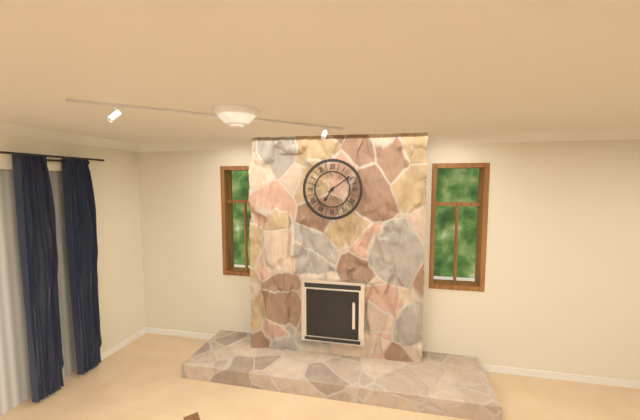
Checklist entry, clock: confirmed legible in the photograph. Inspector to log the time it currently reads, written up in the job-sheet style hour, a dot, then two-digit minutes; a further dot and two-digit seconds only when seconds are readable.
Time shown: 7.09
